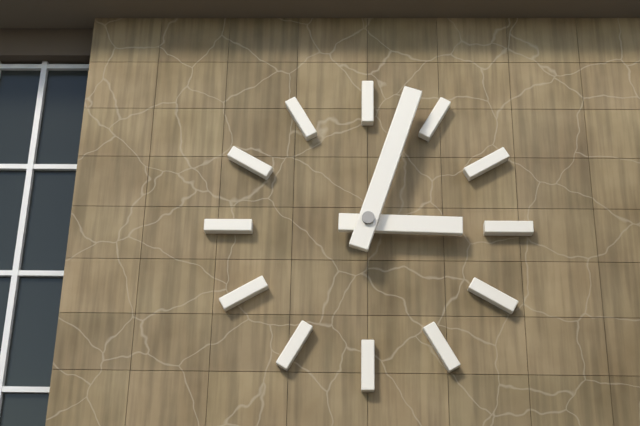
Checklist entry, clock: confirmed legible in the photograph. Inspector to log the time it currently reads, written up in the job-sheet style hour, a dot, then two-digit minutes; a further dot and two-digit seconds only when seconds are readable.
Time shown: 3.03
